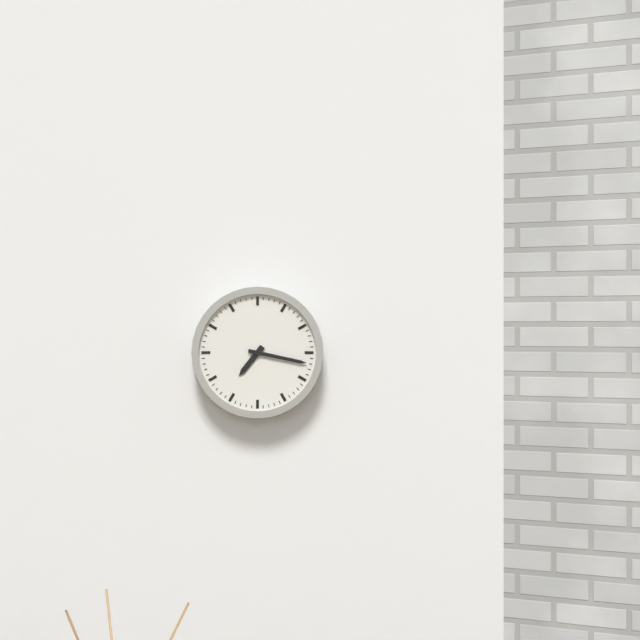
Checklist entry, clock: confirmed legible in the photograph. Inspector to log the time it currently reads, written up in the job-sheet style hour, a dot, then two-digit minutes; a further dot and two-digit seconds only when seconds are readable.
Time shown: 7.17
